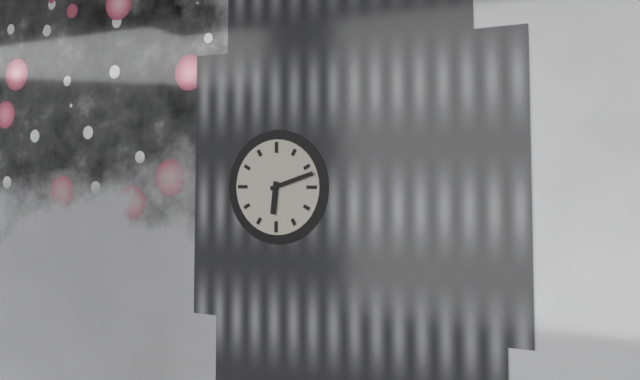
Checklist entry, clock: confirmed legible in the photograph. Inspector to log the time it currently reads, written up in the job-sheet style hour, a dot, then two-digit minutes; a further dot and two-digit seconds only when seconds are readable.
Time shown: 6.12
